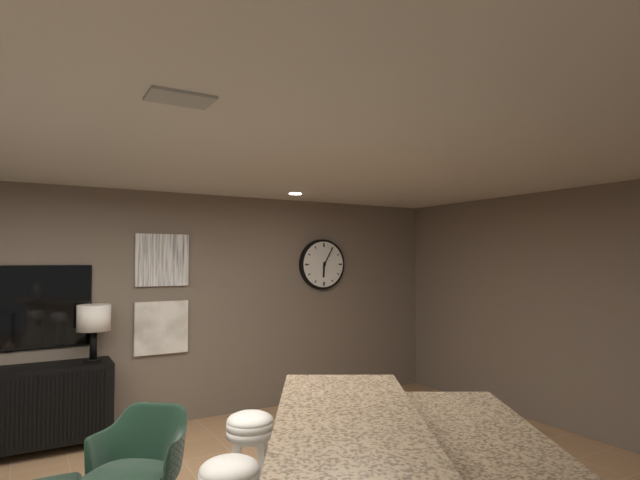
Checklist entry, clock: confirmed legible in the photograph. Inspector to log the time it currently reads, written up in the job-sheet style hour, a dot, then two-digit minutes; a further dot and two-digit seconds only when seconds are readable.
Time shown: 6.05
